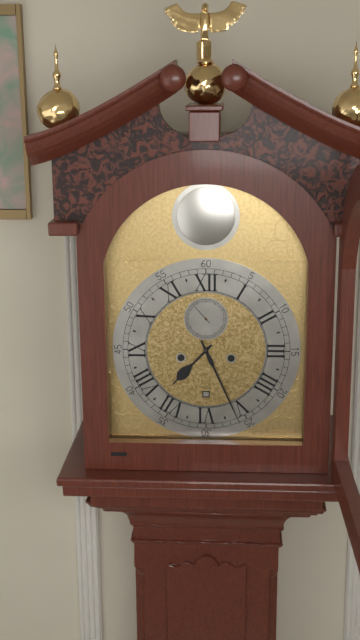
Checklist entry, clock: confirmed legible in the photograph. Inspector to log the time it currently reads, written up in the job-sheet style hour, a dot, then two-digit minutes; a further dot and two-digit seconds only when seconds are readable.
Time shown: 7.26
